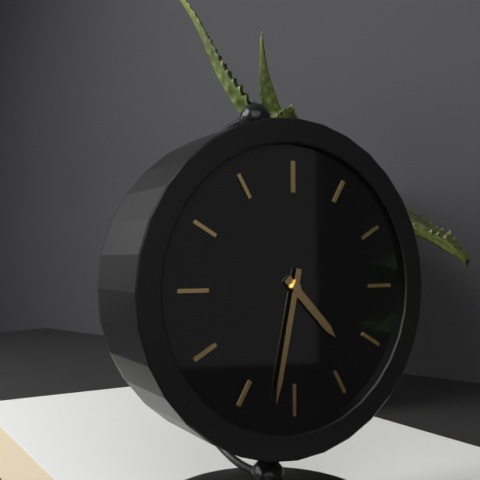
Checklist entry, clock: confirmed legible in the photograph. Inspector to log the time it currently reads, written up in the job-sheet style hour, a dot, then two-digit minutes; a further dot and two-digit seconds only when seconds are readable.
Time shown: 4.32
